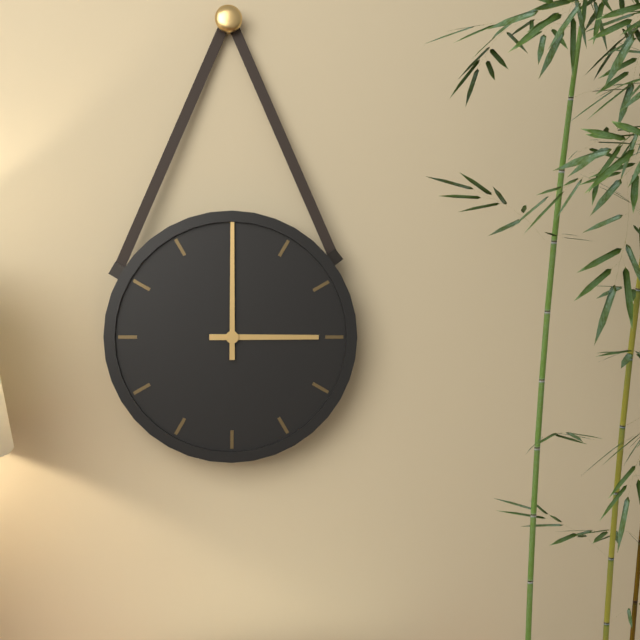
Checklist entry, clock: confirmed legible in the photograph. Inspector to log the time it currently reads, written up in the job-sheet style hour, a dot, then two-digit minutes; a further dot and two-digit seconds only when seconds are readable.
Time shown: 3.00
